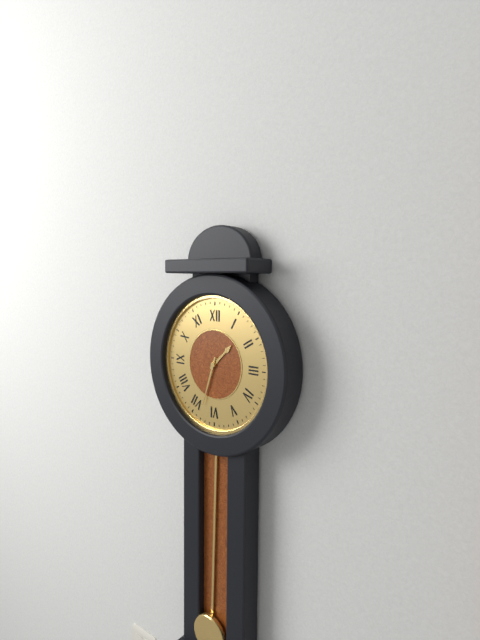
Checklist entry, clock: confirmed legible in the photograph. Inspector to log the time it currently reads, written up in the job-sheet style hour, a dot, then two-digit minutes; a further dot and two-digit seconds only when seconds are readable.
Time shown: 1.33
